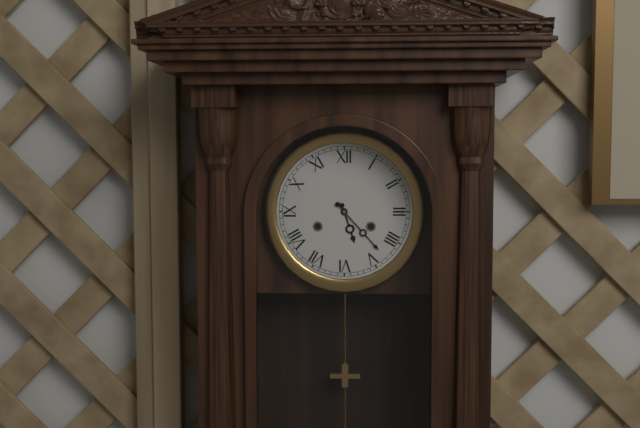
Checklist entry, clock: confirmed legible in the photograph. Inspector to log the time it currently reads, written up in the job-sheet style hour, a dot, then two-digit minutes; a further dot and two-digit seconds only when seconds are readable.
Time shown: 5.23
